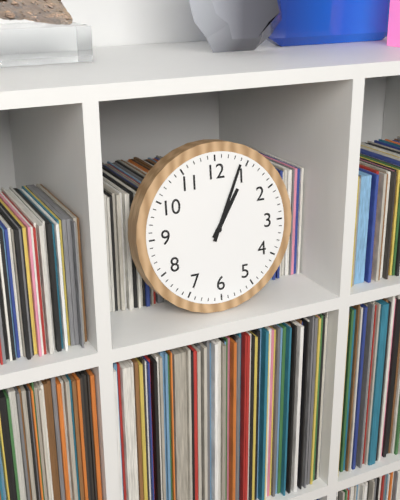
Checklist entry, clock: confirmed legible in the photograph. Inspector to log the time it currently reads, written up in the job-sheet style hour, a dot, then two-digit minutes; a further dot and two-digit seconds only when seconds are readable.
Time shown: 1.04
